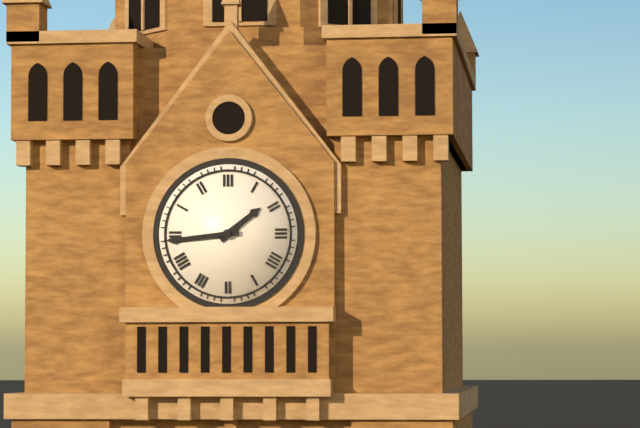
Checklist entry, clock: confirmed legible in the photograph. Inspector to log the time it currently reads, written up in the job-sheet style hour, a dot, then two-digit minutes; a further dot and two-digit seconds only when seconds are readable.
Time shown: 1.44
